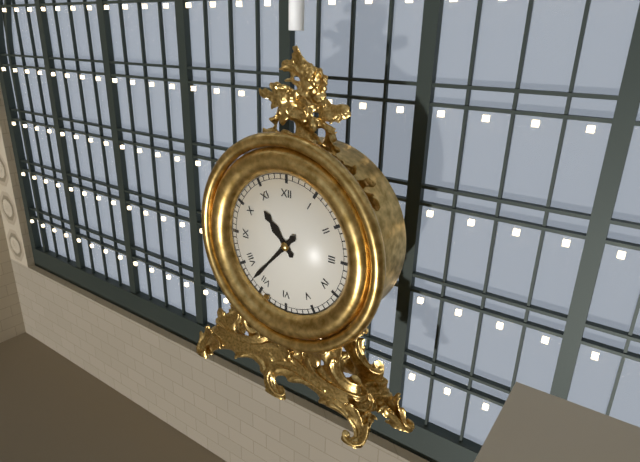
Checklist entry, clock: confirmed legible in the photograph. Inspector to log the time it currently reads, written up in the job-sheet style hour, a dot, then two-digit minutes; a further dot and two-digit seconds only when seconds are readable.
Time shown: 10.37
